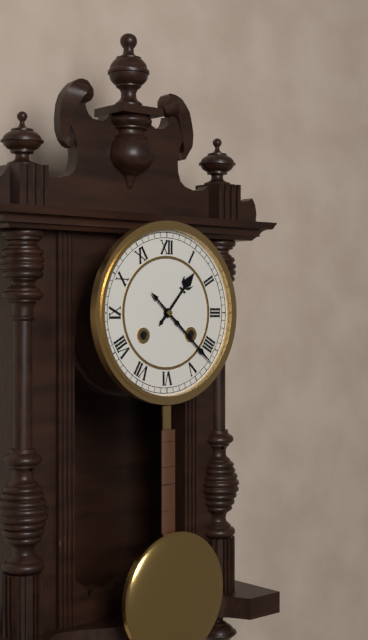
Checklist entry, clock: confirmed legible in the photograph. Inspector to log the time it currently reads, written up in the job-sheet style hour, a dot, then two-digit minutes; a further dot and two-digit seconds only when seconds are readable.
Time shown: 1.22
